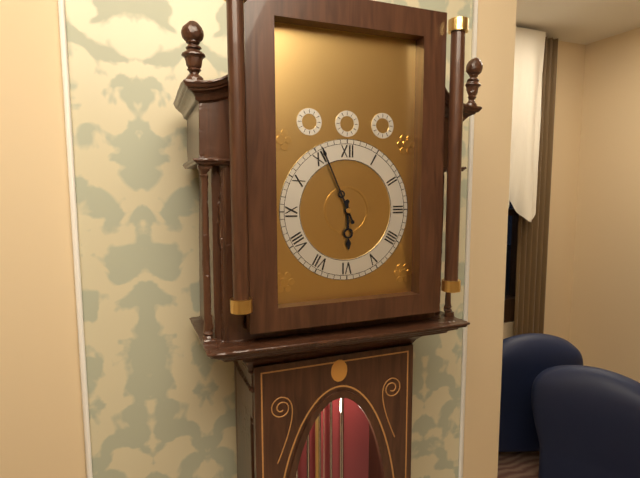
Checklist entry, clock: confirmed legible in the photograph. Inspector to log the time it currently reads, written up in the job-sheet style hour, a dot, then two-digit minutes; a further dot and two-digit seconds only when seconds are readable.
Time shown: 5.56
